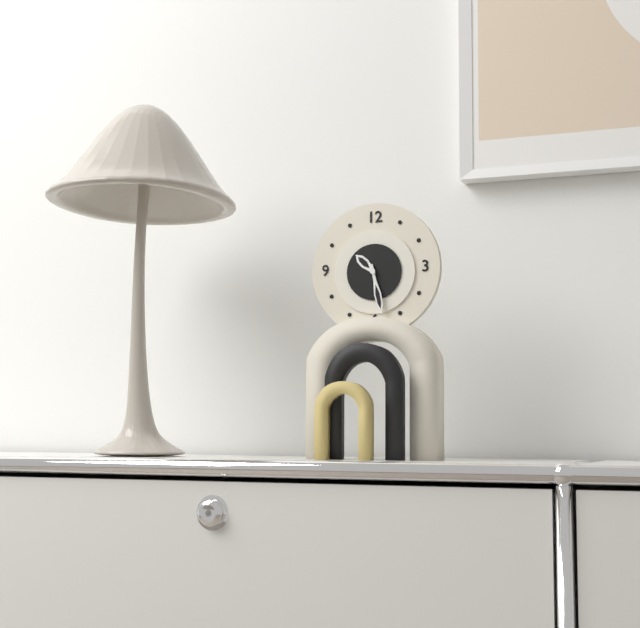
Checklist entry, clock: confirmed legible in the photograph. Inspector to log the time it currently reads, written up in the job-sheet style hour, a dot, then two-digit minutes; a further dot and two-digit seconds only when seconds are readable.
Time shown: 10.28
